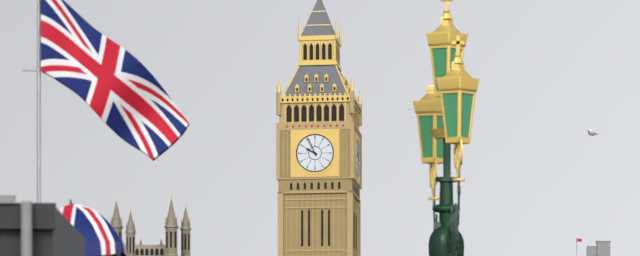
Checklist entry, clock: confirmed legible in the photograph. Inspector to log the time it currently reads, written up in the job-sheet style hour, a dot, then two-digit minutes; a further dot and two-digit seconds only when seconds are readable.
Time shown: 9.56
